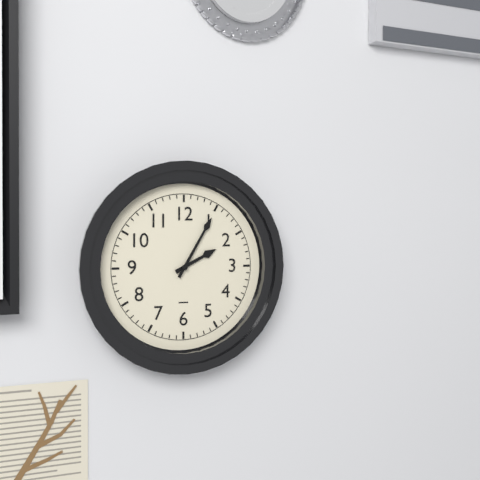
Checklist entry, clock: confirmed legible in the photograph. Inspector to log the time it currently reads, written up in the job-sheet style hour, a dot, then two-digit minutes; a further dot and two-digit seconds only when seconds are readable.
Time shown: 2.05
